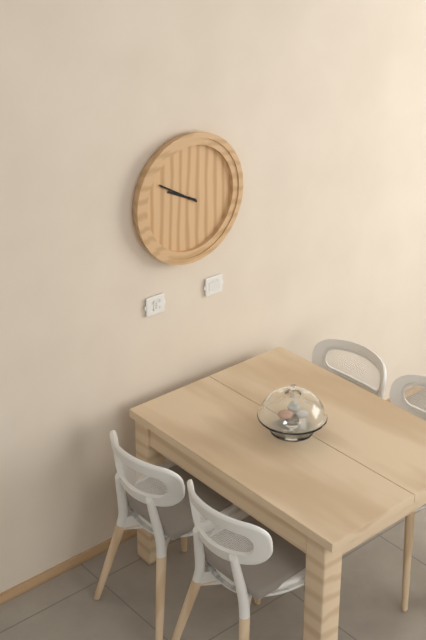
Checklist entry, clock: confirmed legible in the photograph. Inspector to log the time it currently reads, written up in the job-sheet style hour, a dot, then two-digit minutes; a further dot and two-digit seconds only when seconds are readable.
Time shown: 9.50
